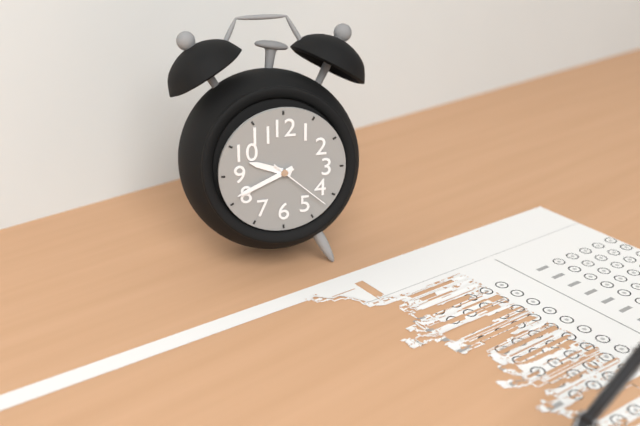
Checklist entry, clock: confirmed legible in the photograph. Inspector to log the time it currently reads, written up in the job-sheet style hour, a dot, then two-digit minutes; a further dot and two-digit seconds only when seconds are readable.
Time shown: 9.41.22
